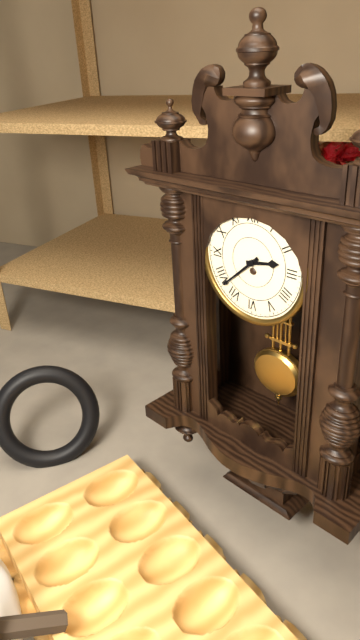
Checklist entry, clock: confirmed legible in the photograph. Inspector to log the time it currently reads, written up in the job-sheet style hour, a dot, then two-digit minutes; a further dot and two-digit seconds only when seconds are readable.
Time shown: 2.38
